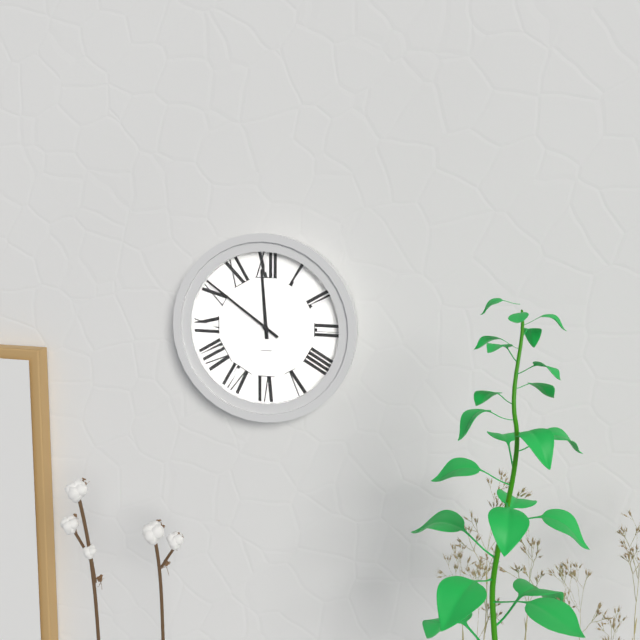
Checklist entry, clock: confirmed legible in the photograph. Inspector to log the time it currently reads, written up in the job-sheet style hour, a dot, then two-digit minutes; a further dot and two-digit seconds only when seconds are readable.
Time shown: 11.51
